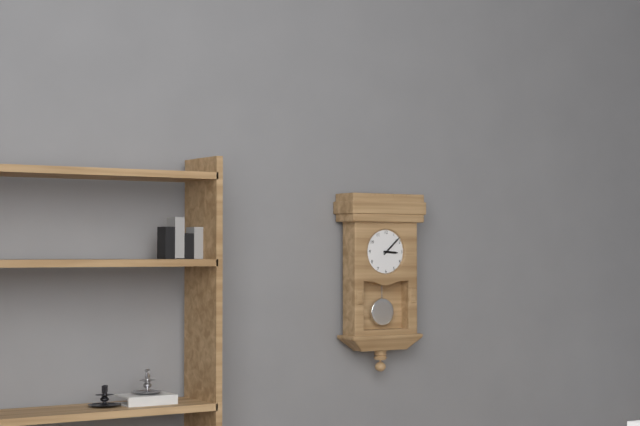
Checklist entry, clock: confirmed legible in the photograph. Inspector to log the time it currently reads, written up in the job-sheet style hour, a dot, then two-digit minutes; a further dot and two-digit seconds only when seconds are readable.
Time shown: 3.08
